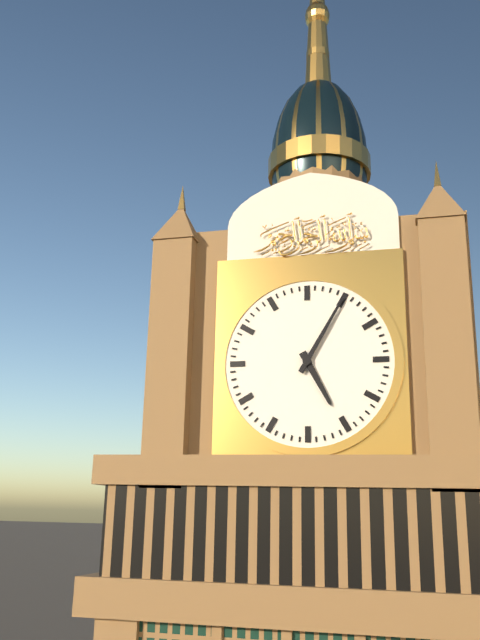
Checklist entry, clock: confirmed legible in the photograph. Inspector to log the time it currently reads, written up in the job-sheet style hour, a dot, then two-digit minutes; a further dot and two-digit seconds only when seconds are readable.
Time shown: 5.05
